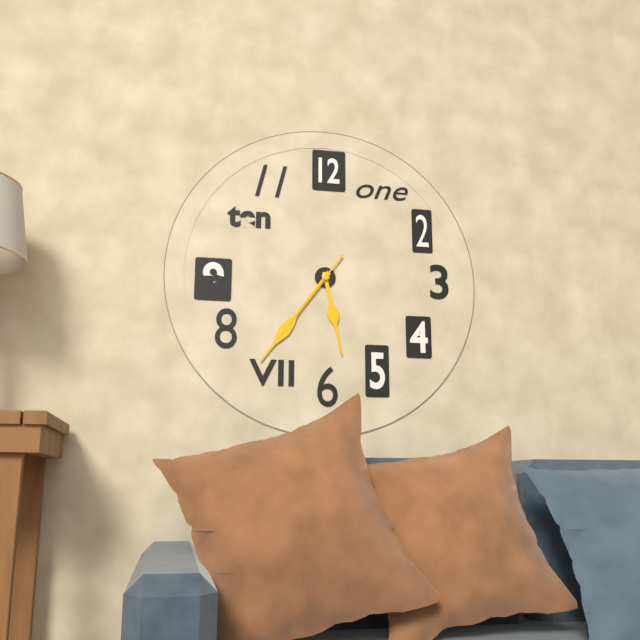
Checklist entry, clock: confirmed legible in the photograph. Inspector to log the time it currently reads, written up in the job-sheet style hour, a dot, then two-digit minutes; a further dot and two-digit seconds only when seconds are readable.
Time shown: 5.36.36
